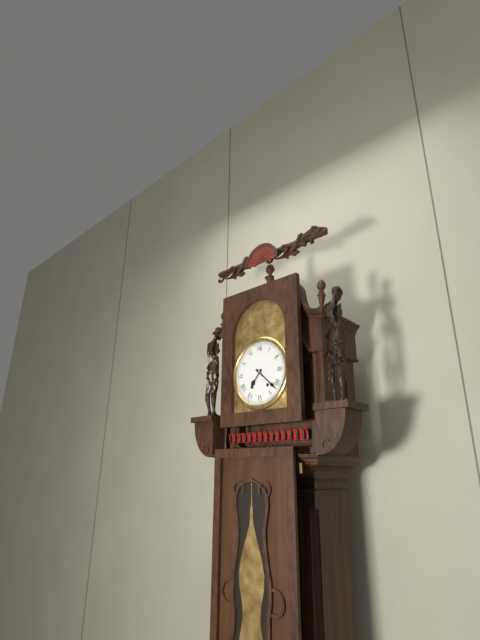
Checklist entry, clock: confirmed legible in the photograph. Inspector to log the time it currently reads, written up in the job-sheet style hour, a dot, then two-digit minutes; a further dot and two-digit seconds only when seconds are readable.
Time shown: 7.22
